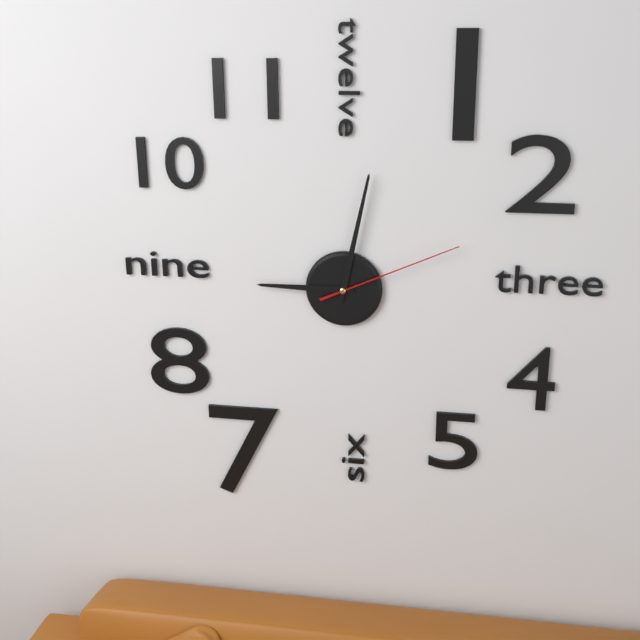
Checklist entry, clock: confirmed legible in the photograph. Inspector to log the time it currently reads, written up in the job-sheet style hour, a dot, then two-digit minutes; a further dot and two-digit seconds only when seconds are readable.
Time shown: 9.02.11
